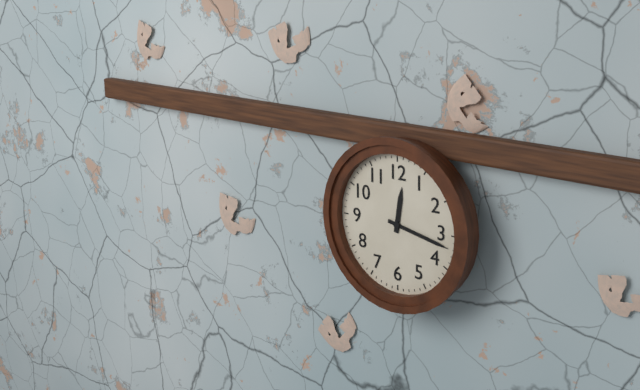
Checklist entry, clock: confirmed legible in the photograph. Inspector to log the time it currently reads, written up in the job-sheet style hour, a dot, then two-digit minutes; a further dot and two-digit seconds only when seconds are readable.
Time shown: 12.17
